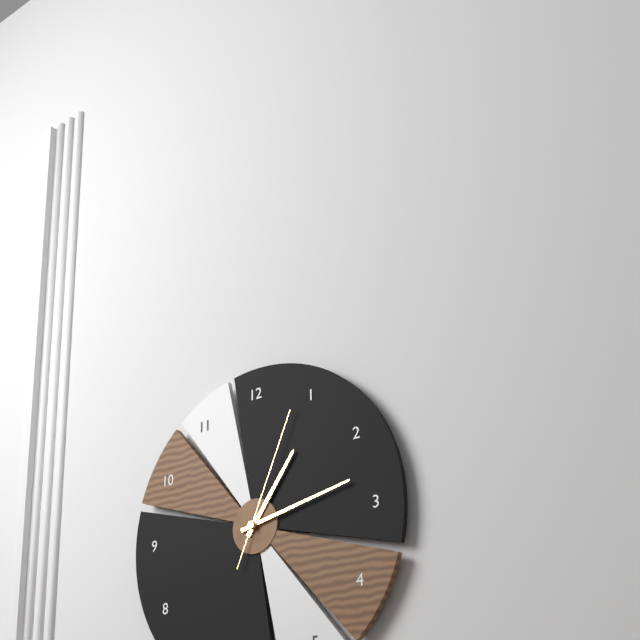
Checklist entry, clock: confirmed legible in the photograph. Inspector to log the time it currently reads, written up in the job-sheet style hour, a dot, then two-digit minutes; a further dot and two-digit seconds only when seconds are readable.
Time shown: 1.13.04
